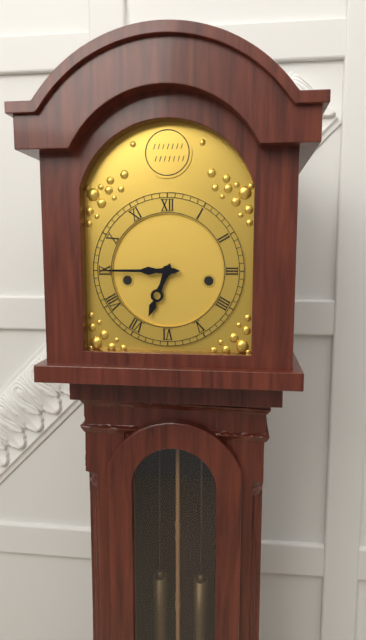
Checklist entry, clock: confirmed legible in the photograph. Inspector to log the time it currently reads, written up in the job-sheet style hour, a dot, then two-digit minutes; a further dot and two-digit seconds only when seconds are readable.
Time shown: 6.45
